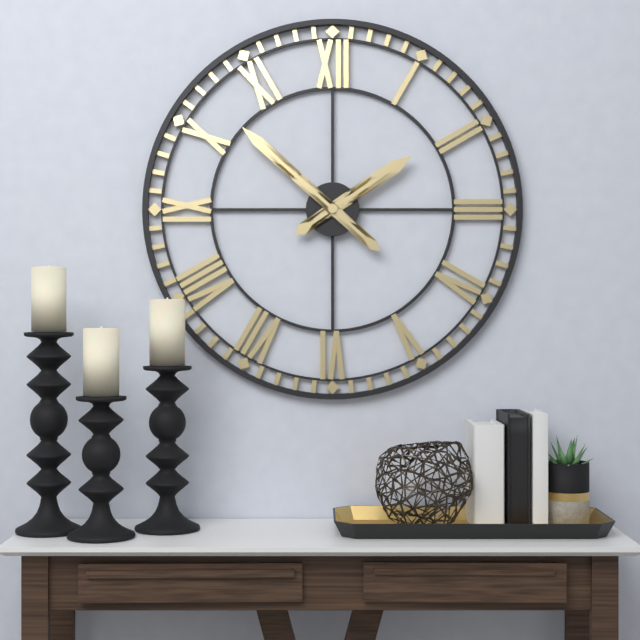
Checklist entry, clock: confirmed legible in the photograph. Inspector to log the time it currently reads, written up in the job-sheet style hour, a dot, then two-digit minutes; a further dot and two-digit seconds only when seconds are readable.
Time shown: 1.52
